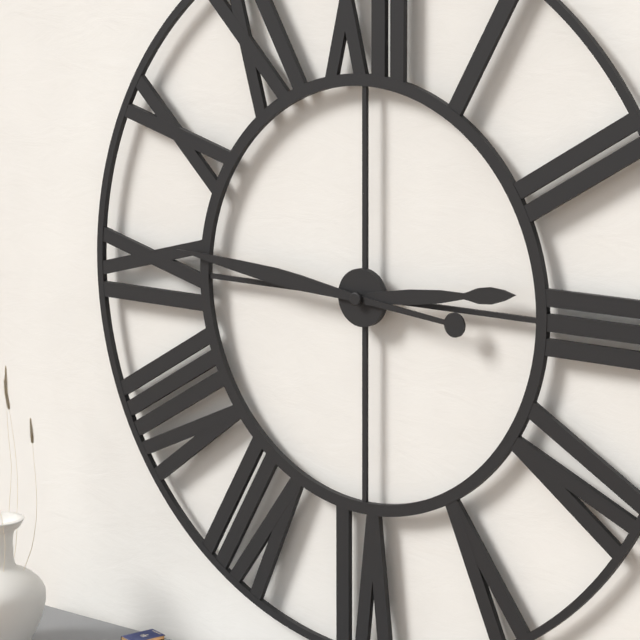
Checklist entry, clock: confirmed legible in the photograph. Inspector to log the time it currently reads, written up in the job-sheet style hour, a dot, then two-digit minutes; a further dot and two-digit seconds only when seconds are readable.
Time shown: 2.46
